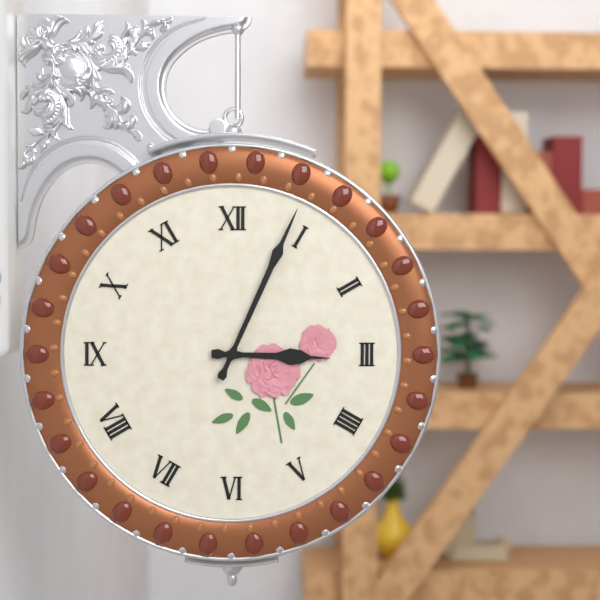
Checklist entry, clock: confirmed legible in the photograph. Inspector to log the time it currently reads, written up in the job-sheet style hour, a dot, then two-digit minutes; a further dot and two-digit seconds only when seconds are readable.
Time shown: 3.04
